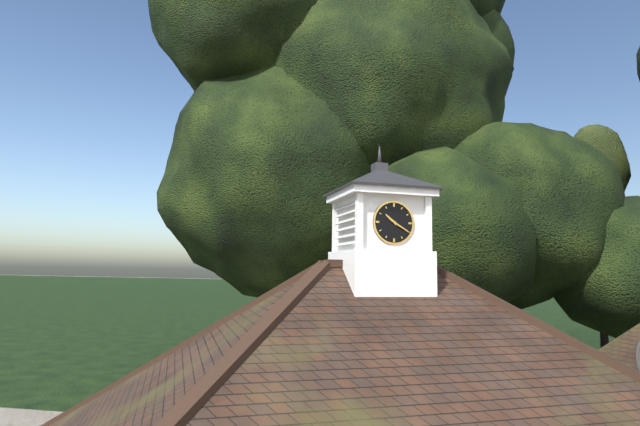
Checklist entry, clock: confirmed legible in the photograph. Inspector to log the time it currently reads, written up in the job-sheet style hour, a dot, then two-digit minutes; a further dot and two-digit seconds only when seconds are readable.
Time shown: 10.20
